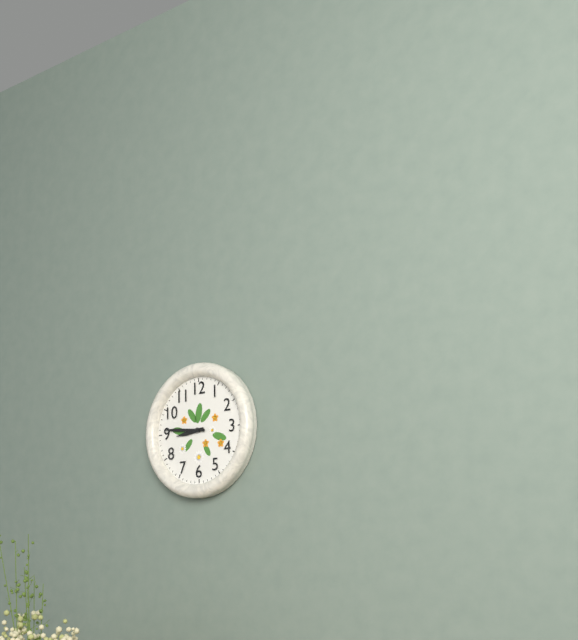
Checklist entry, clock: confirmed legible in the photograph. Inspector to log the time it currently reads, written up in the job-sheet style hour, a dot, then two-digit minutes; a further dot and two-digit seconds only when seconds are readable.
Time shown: 8.46
